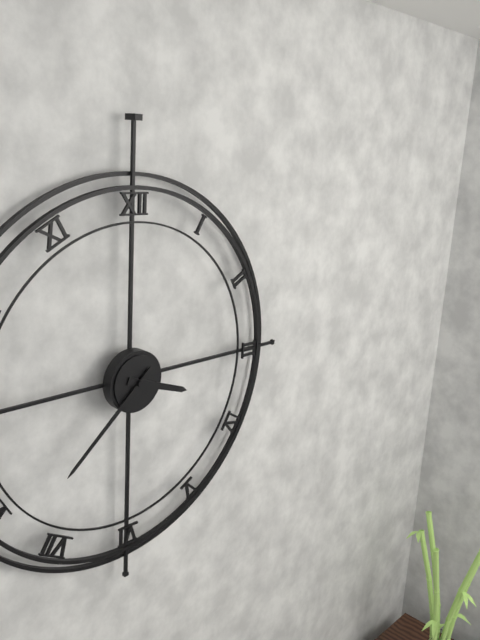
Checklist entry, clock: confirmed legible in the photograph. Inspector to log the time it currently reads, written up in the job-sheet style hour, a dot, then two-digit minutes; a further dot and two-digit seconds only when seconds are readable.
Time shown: 3.38
